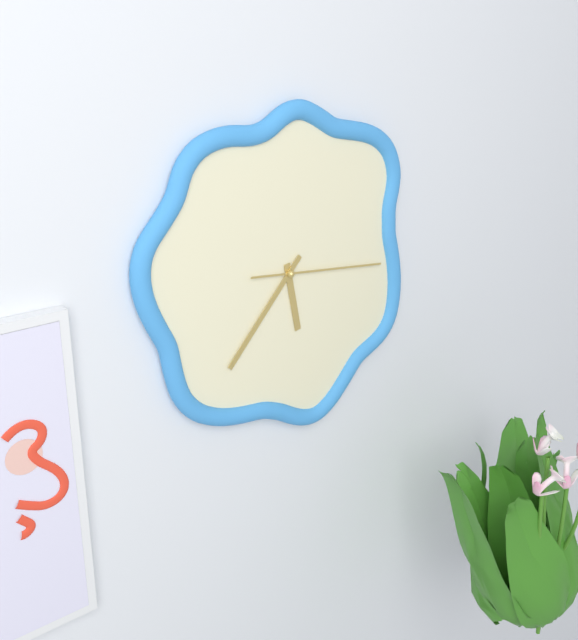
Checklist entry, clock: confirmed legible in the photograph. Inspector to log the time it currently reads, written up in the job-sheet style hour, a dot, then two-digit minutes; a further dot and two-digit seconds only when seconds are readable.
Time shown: 5.37.16
